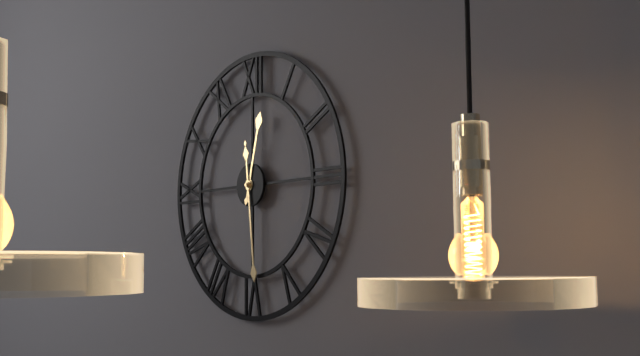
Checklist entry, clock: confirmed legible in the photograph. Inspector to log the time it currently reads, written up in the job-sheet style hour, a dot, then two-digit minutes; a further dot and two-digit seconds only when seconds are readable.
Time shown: 12.29
